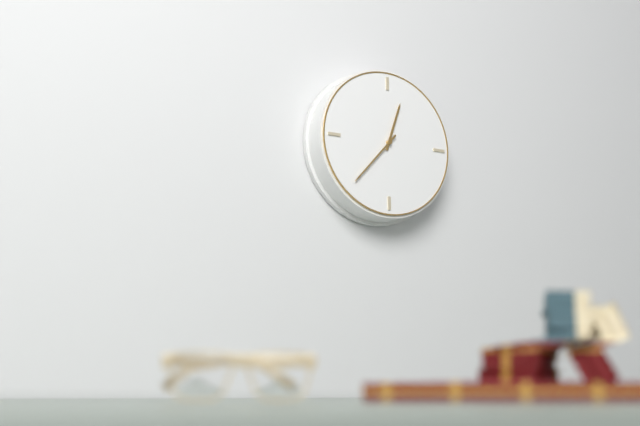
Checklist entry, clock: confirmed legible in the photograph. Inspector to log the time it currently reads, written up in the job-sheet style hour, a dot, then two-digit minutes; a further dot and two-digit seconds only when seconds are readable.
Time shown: 12.37
